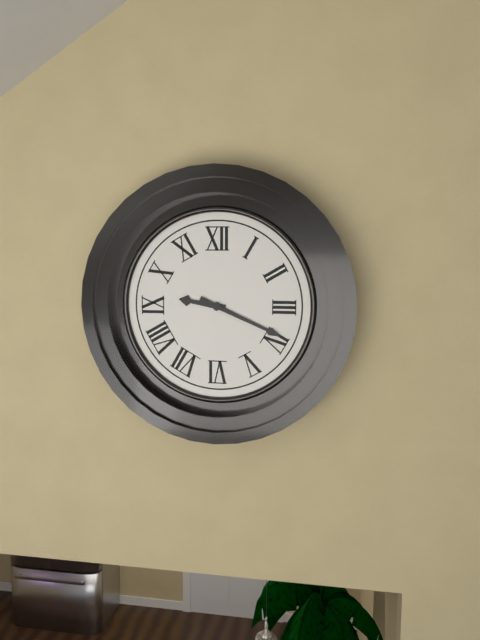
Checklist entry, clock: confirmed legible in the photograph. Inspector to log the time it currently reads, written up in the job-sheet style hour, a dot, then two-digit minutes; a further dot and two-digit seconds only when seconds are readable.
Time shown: 9.19
